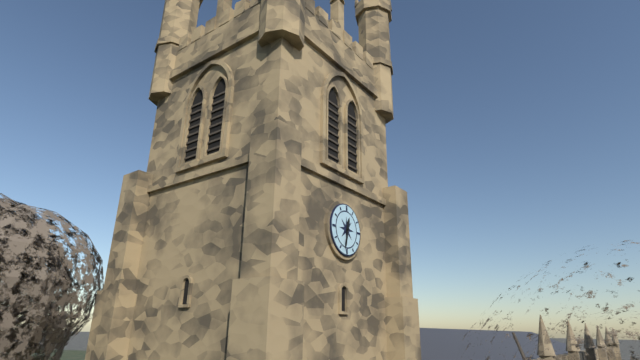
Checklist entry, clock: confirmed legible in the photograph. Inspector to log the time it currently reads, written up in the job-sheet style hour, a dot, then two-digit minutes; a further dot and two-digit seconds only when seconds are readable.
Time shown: 12.32
